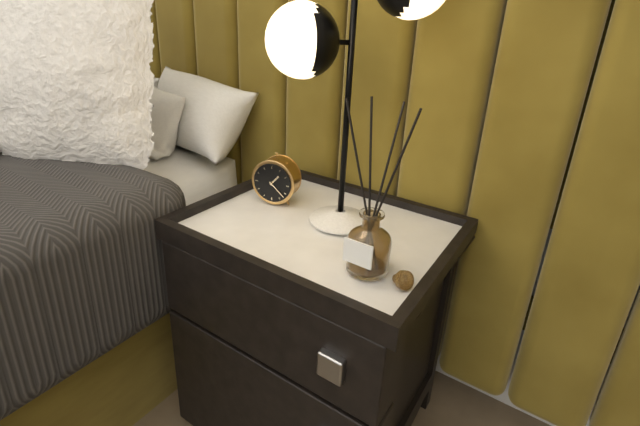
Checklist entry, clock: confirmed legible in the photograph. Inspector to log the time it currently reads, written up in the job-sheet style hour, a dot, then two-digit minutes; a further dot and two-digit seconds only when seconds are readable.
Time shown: 1.22
